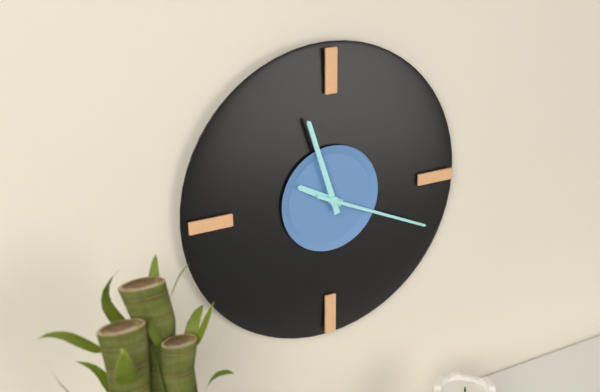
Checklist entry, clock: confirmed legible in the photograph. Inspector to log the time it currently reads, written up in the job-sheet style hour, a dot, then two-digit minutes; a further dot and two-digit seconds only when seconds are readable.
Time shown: 9.57.19
